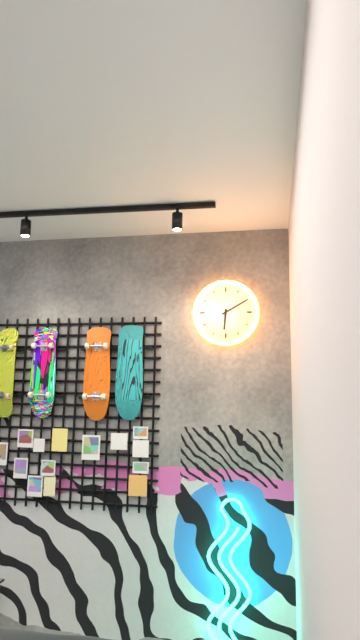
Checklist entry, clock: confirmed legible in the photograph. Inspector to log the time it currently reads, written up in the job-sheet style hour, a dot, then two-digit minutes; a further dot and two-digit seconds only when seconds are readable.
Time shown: 6.10
